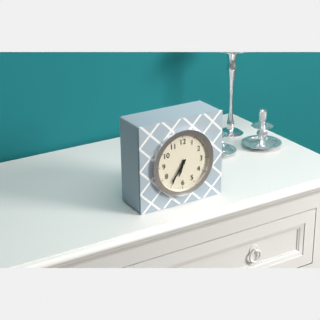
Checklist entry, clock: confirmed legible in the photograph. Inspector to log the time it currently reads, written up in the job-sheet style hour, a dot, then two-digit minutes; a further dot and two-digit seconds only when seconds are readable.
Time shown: 6.36
